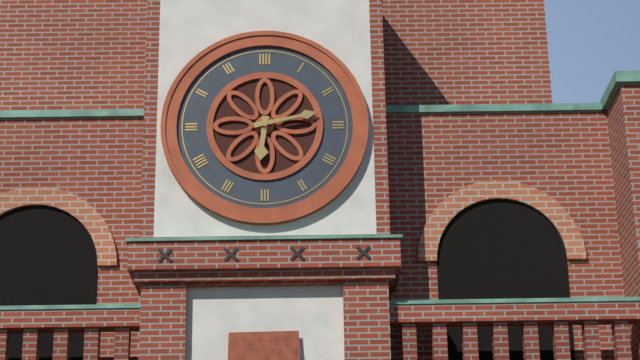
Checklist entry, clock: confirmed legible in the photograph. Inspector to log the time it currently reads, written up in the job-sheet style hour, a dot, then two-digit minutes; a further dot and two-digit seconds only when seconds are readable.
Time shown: 6.13
